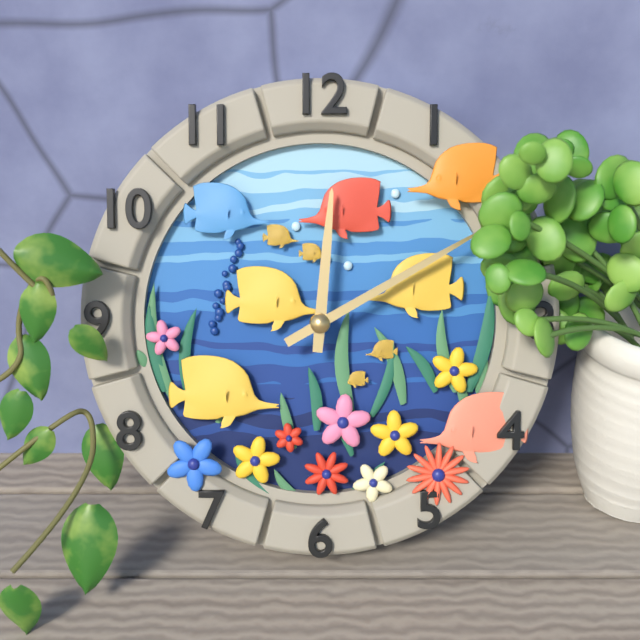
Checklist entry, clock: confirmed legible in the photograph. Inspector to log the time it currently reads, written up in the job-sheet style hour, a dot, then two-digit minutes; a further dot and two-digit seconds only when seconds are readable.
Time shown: 12.10
